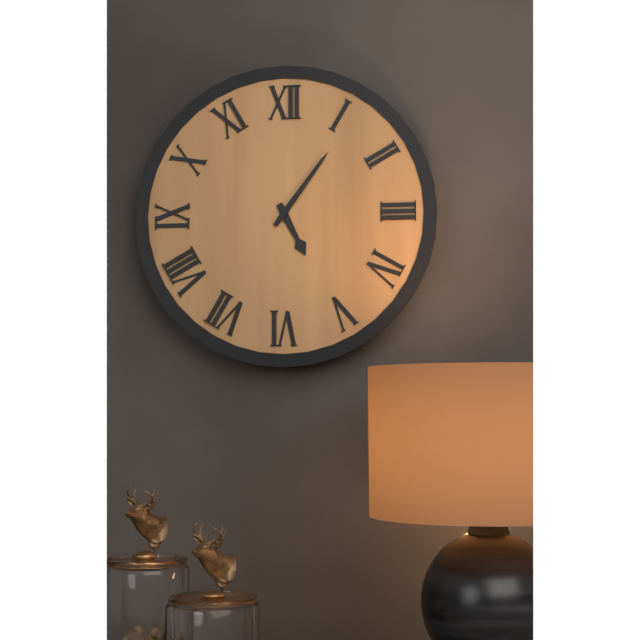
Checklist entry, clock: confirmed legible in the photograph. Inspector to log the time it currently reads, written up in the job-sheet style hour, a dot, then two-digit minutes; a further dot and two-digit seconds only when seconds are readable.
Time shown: 5.06
